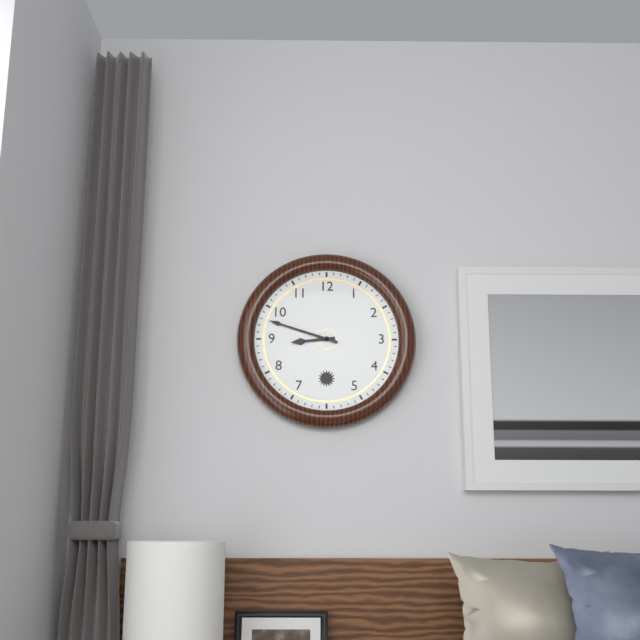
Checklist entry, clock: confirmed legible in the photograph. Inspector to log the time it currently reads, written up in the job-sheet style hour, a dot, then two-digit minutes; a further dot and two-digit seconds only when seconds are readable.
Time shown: 8.48
